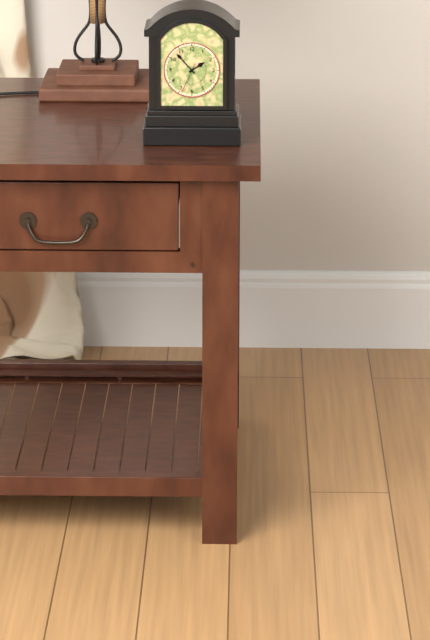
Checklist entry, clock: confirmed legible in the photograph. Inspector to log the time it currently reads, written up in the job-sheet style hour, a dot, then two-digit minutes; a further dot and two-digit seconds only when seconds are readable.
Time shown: 1.53
